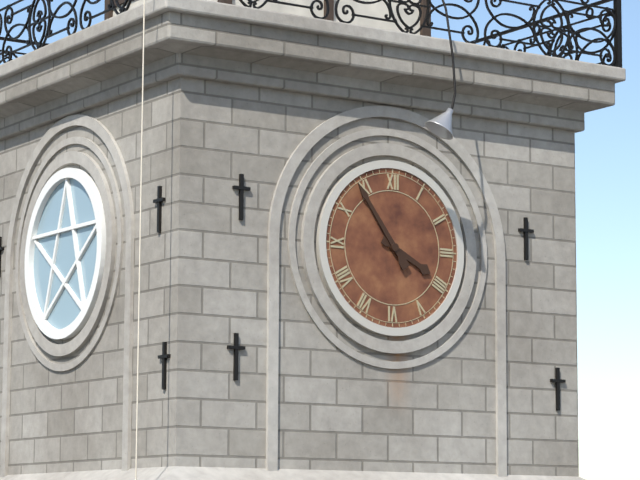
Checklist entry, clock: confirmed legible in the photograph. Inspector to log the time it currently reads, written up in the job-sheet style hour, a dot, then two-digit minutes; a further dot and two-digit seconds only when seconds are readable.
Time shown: 3.54
